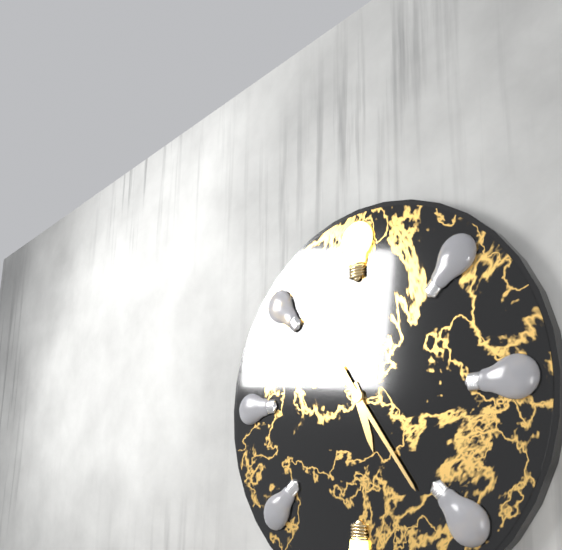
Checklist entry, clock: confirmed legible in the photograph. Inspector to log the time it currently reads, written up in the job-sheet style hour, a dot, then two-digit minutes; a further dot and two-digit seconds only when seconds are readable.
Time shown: 5.24
